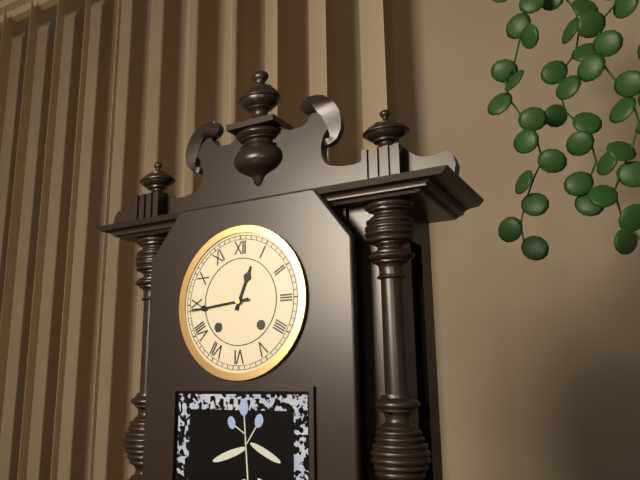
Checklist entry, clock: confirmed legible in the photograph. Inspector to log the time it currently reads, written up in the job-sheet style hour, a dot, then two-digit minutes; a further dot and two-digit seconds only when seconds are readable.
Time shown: 12.44
